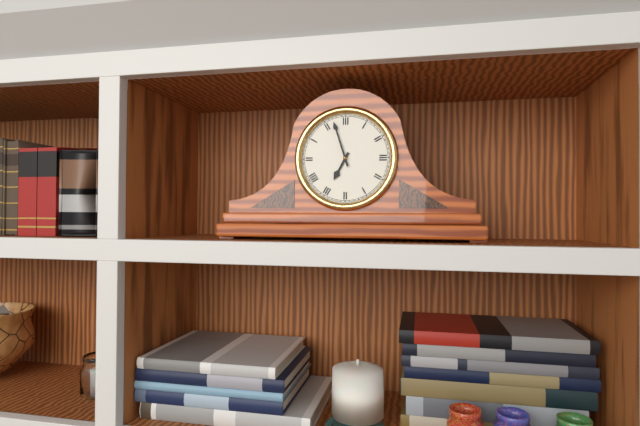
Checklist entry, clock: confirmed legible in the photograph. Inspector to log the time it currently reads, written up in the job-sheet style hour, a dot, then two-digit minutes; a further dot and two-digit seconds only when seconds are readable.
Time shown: 6.57
